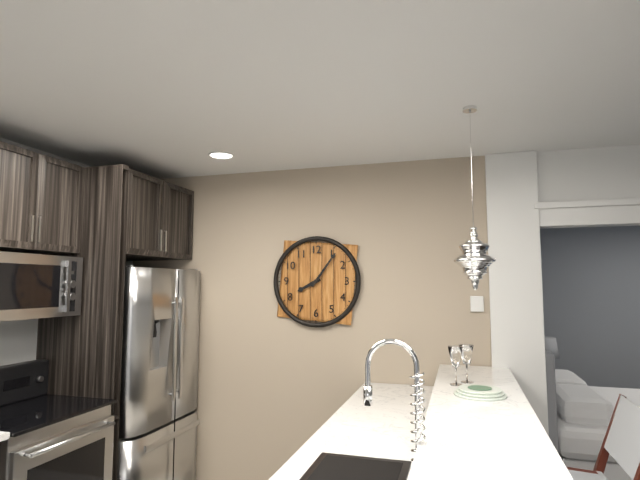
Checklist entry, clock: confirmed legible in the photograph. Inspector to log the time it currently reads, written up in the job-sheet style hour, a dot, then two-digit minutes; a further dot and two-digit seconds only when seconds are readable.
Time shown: 8.06
